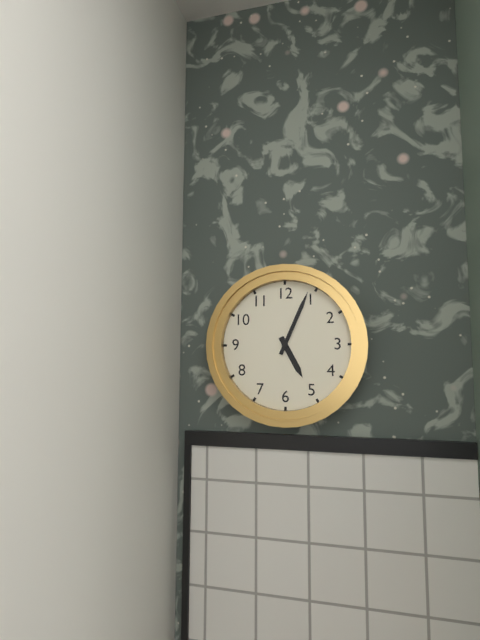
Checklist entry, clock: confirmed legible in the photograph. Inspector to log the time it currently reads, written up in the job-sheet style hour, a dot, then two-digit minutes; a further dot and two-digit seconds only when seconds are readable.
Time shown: 5.04
